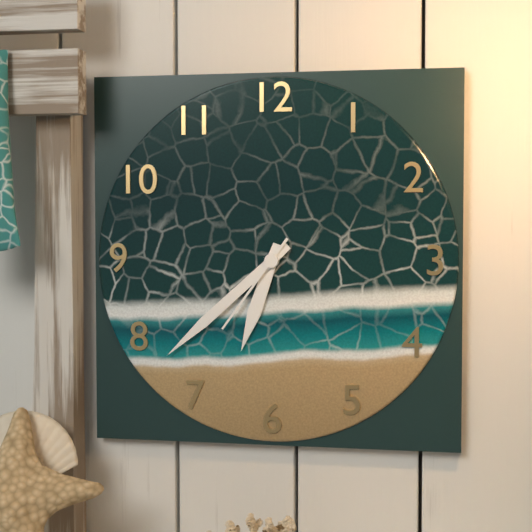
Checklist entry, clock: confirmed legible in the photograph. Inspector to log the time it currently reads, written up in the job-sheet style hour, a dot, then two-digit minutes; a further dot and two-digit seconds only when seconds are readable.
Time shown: 6.38.36
